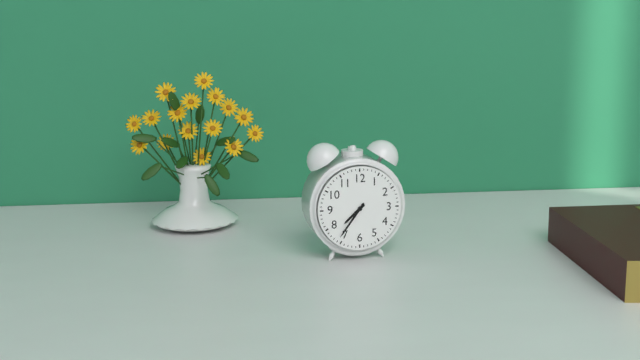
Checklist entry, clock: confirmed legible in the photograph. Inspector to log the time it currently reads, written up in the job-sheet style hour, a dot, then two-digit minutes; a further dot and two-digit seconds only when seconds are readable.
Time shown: 7.36
